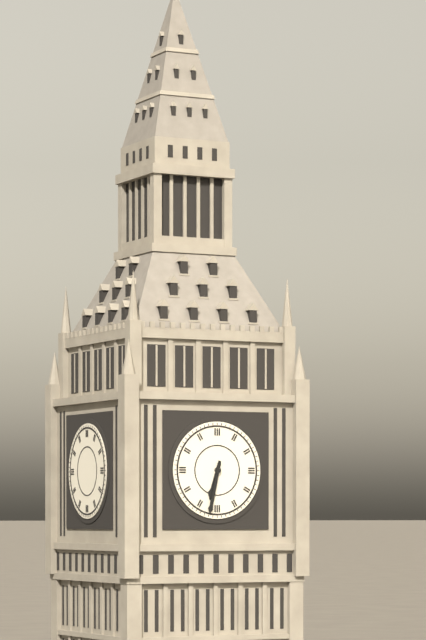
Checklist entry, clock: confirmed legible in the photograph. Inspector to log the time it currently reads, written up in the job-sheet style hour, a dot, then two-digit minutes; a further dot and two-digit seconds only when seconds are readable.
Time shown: 6.32
